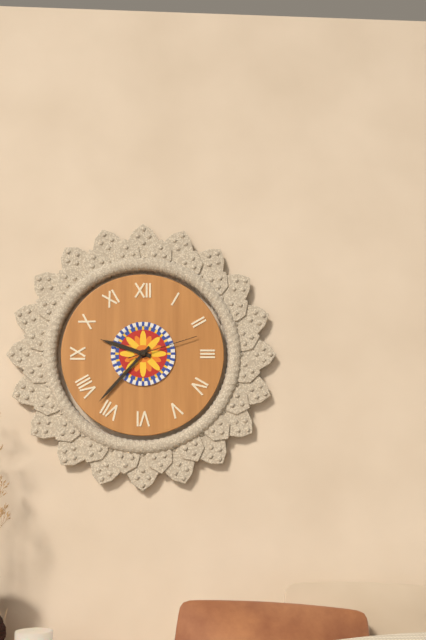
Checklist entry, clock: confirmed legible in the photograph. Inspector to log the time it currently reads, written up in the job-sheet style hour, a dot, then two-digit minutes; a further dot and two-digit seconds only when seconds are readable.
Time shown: 9.37.12
